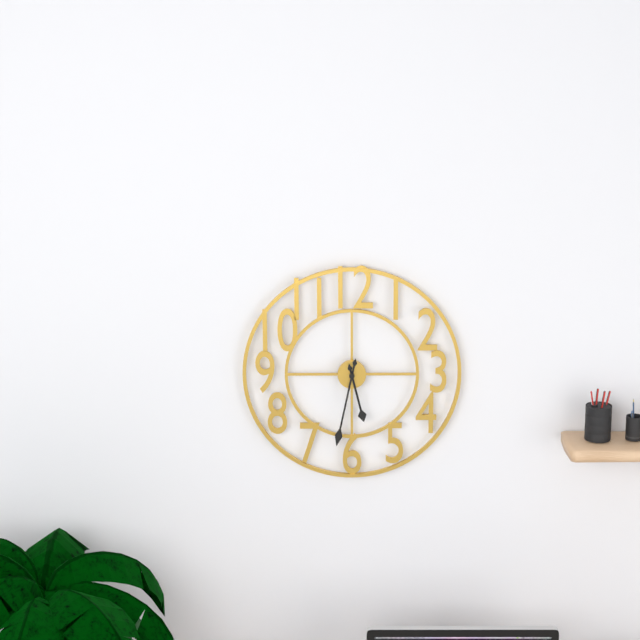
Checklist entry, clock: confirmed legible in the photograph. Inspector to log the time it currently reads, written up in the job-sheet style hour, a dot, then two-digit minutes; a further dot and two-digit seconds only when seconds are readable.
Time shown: 5.32
